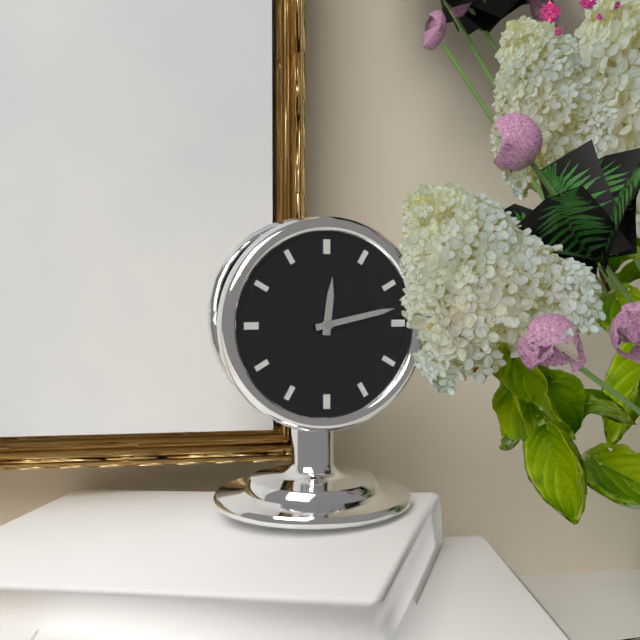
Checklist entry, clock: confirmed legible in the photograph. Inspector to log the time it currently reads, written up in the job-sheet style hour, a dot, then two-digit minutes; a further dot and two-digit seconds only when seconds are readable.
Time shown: 12.13
